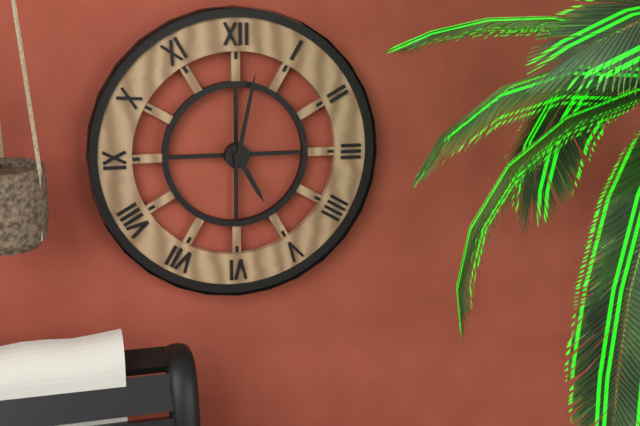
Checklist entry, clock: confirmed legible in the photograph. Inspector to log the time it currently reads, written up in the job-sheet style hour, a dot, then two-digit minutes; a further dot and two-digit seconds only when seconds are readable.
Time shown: 5.02
